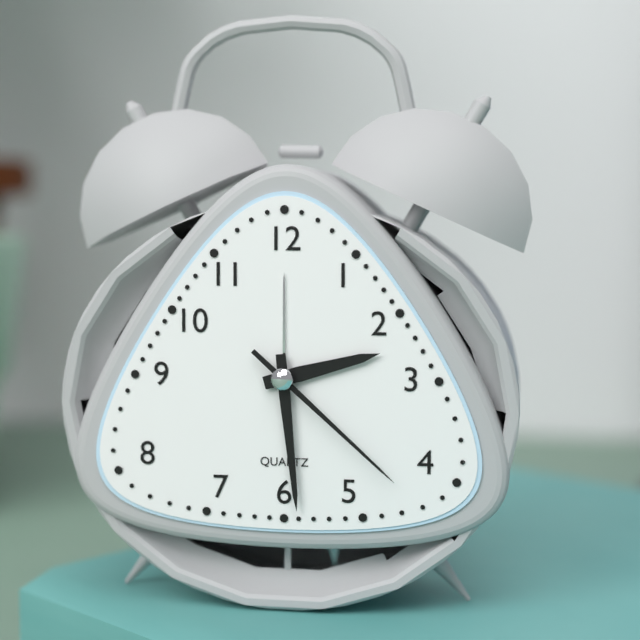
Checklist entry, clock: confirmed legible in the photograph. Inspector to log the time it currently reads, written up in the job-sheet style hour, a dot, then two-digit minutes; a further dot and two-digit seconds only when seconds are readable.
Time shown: 2.29.22
